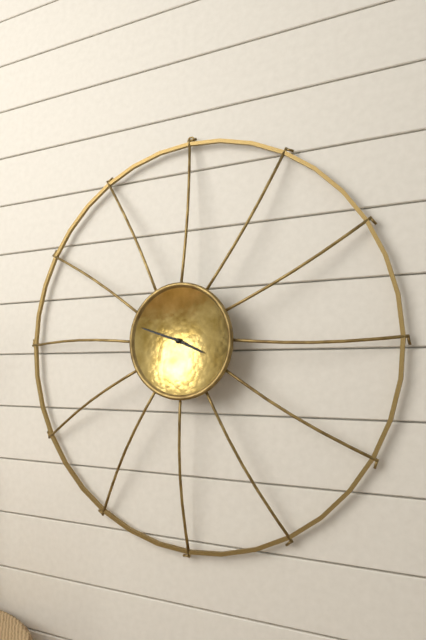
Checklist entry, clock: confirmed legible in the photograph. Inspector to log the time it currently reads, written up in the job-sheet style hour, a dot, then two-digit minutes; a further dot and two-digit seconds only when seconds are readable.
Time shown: 3.48
